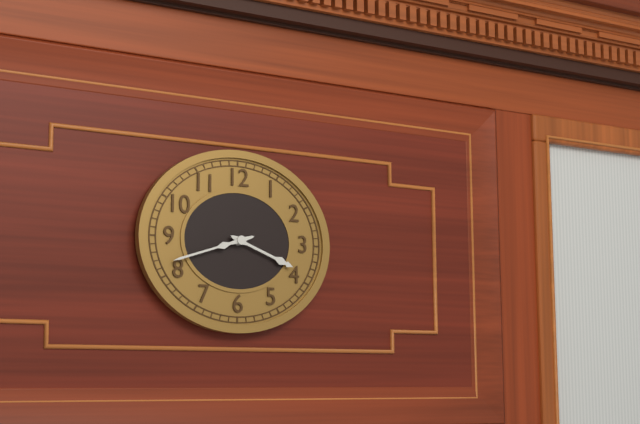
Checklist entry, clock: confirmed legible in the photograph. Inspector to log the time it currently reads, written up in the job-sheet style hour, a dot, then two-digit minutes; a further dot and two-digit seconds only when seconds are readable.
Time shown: 3.42
